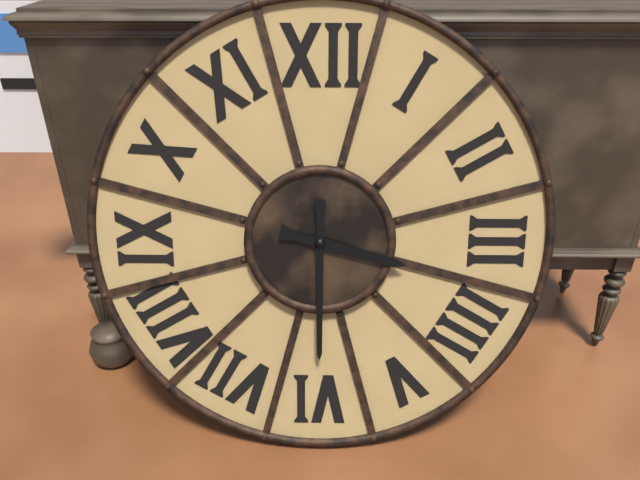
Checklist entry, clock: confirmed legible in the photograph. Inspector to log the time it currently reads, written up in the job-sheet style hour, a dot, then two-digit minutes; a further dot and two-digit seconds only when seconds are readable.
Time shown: 3.30
